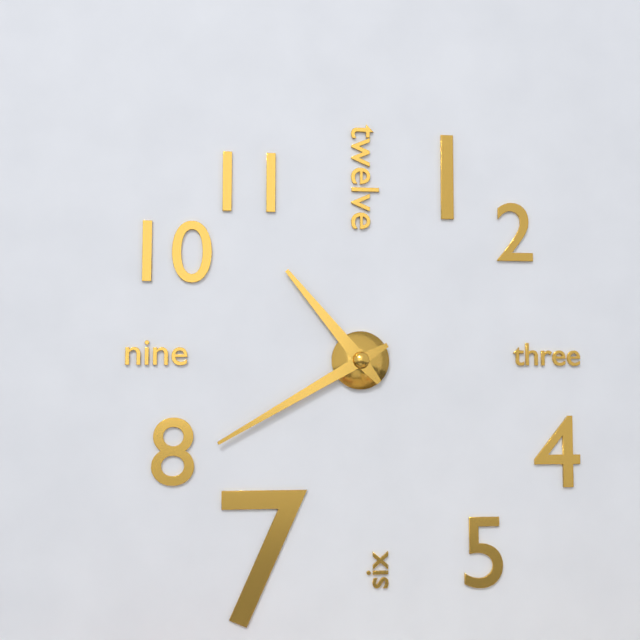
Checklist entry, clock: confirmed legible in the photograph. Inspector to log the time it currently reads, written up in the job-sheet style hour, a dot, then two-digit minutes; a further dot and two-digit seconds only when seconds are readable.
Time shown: 10.40
